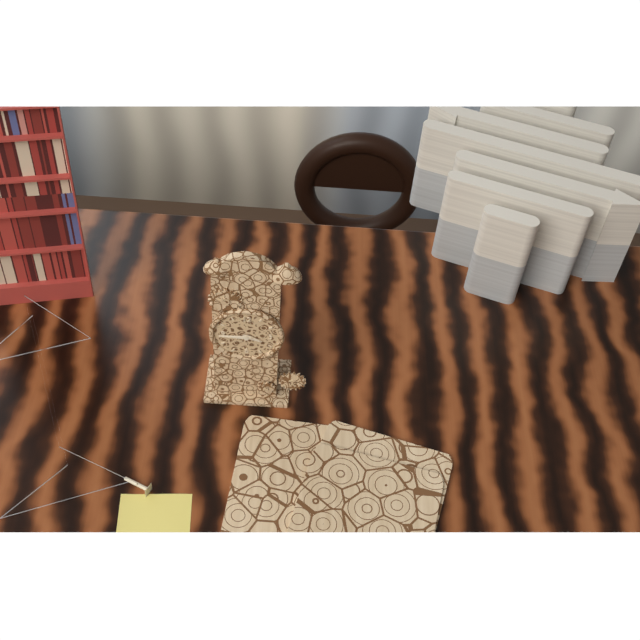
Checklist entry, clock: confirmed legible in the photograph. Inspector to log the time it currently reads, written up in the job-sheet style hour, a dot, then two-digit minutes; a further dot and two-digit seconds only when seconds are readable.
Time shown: 3.45
